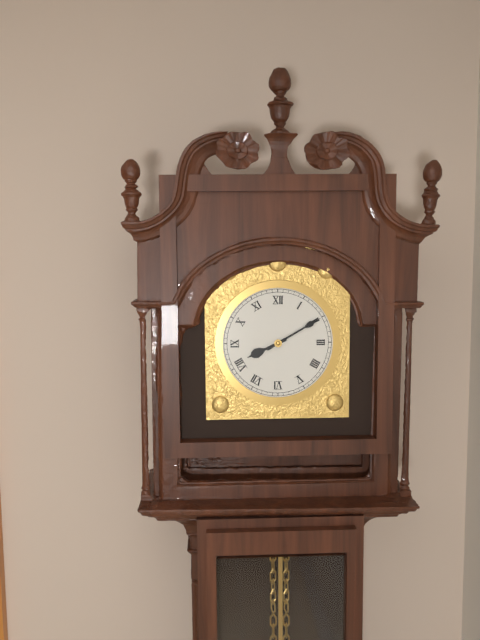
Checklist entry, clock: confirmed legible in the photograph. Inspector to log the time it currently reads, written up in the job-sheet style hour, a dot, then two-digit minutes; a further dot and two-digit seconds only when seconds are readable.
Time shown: 8.10
